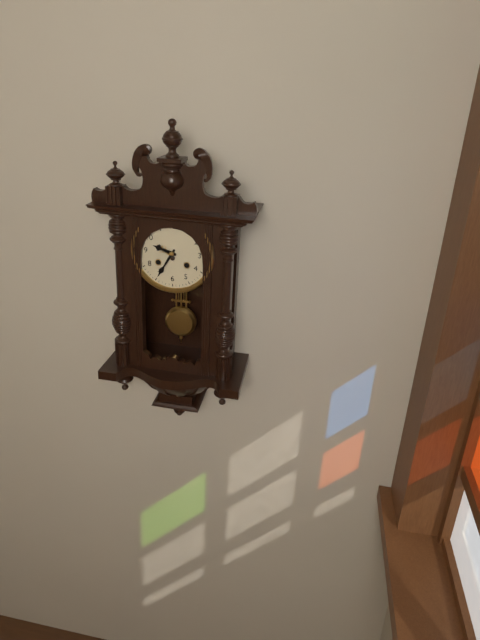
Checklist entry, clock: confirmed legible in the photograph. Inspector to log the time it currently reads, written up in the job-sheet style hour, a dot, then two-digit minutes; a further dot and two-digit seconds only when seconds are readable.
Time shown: 9.35
